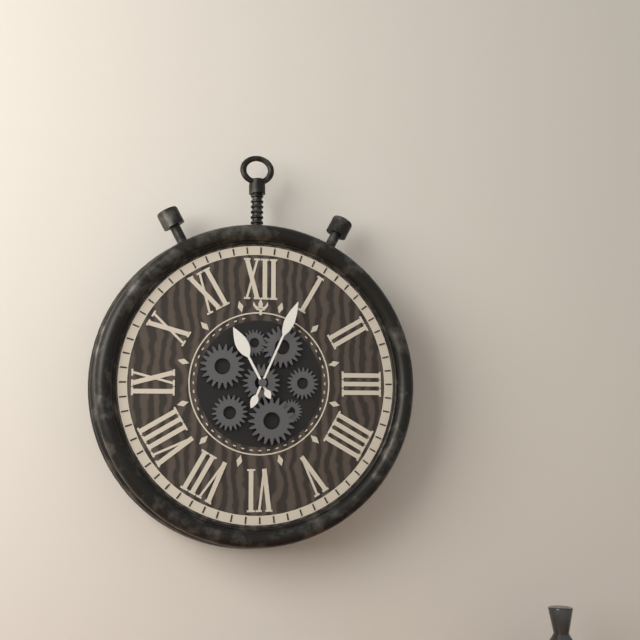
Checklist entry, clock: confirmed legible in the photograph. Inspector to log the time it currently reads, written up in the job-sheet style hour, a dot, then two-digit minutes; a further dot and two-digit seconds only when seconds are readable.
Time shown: 11.04
